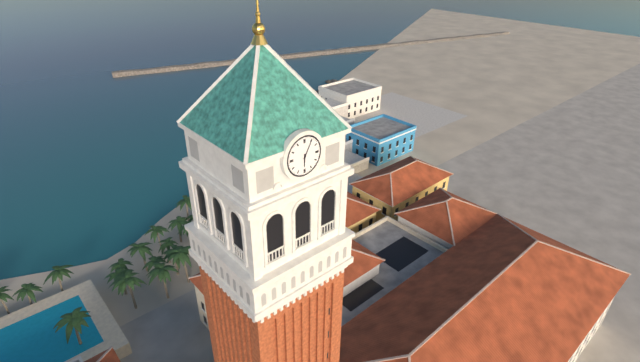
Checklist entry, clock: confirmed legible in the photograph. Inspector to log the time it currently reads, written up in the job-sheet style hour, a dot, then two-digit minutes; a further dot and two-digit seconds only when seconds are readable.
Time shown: 6.05
